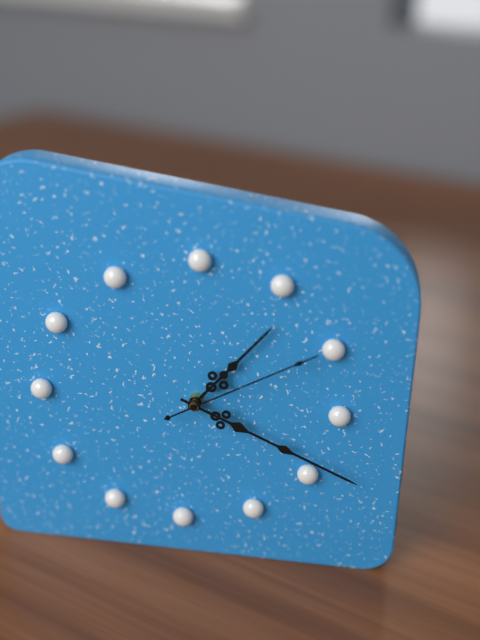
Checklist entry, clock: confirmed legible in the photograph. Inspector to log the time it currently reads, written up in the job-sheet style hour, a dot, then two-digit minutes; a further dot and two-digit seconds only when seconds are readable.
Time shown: 1.19.10
